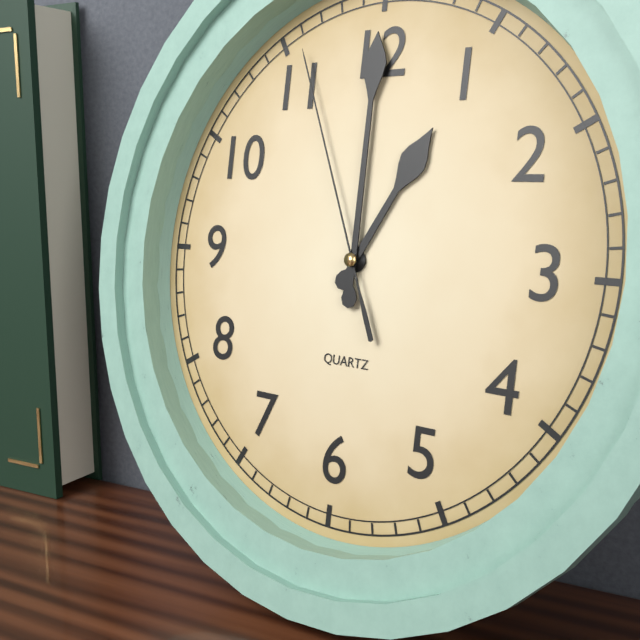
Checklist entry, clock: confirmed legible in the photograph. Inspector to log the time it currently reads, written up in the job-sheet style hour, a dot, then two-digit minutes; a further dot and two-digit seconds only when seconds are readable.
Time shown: 1.00.56
